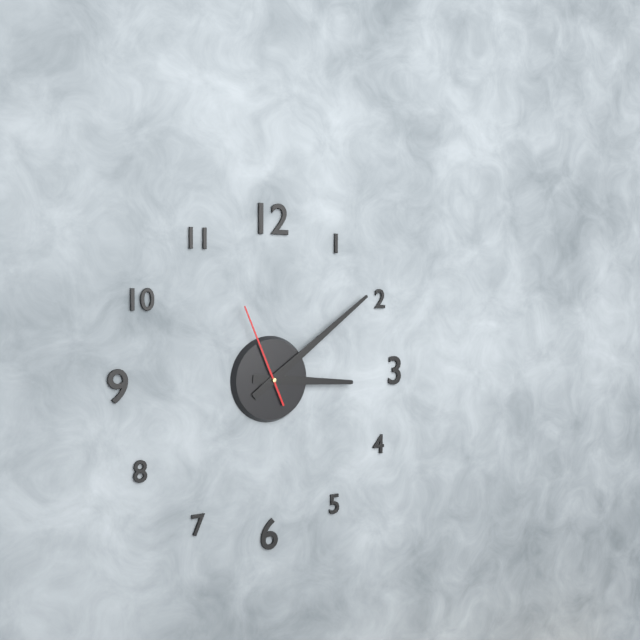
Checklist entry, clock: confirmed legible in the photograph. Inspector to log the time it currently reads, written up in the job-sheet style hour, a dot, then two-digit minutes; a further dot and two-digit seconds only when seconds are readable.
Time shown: 3.09.56
